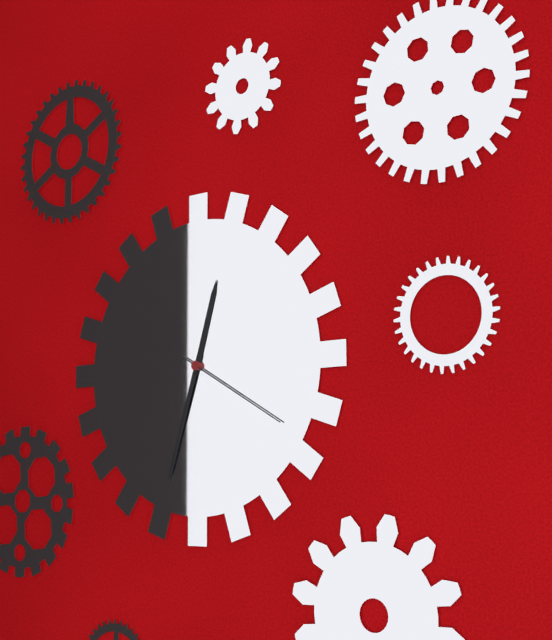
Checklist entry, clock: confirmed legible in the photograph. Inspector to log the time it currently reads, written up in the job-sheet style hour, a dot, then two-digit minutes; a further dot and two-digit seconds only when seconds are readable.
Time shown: 12.33.20
